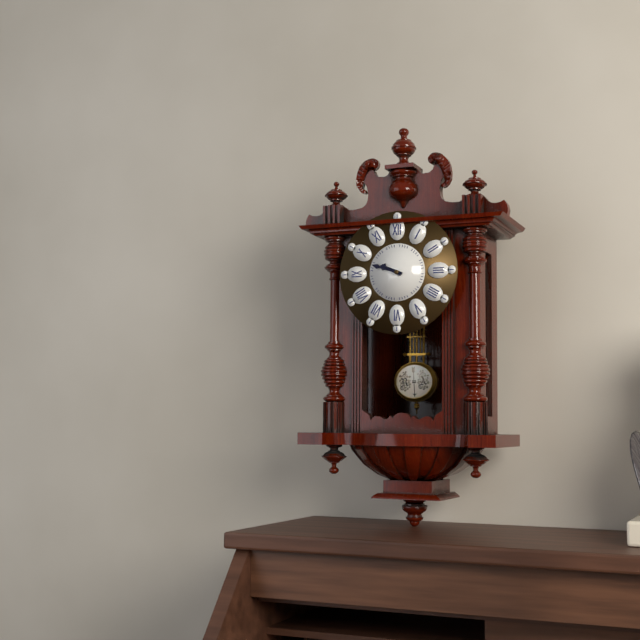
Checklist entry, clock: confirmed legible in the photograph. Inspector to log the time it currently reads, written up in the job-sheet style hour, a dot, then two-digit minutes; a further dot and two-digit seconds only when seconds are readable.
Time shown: 9.48
